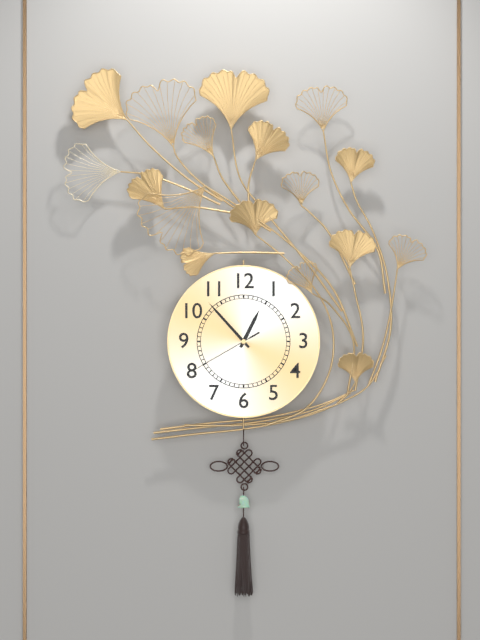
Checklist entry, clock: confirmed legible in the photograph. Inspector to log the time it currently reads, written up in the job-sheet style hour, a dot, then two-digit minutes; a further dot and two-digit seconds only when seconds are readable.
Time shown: 12.53.40
